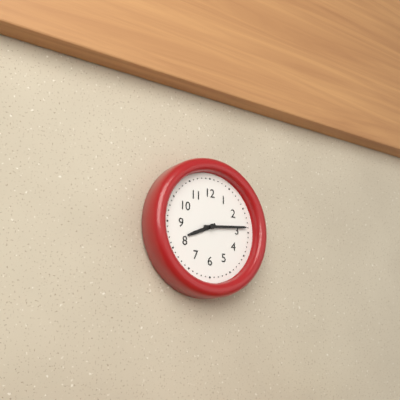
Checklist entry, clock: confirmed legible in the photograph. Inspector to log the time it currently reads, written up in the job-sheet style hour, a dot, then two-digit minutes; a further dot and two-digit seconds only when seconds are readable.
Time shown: 8.14
